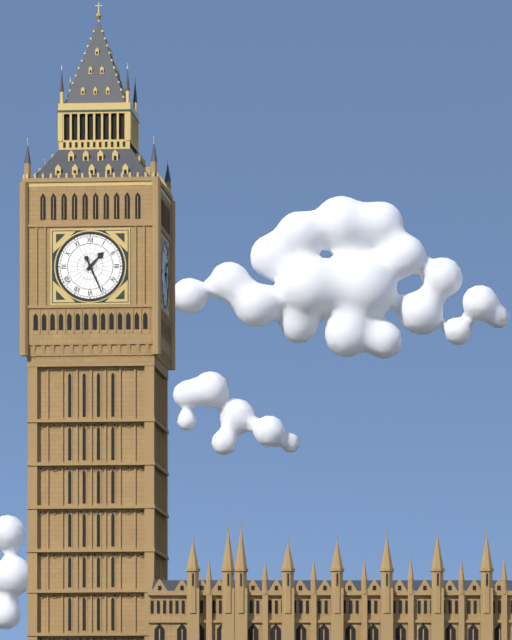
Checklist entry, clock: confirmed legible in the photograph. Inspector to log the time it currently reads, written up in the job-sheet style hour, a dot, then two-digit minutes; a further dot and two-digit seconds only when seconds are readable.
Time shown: 1.26
